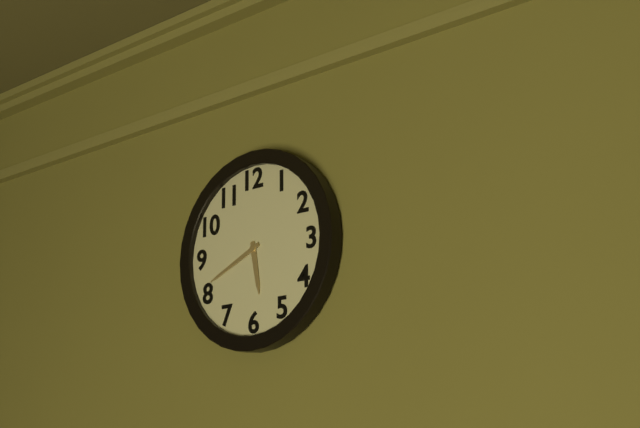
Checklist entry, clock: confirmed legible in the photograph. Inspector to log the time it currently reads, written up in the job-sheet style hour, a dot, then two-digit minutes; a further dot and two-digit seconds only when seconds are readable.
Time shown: 5.41
